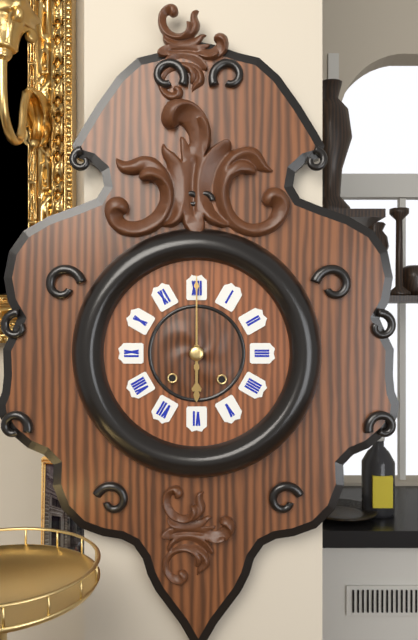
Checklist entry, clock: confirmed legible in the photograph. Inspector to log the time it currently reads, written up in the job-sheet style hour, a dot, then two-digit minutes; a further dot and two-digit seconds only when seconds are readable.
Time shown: 6.00
